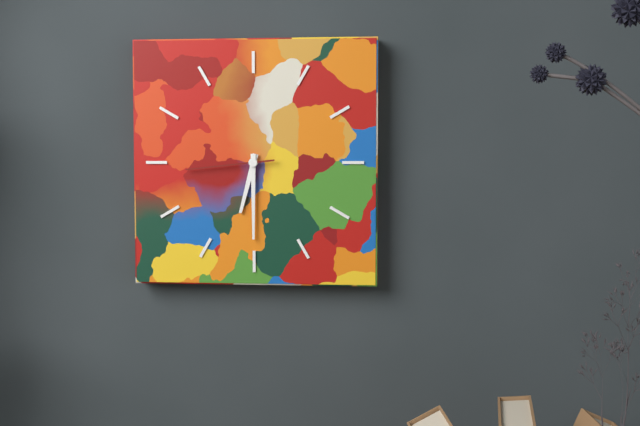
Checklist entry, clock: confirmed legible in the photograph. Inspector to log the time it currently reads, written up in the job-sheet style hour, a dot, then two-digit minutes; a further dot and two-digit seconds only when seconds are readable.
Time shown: 6.30.44
